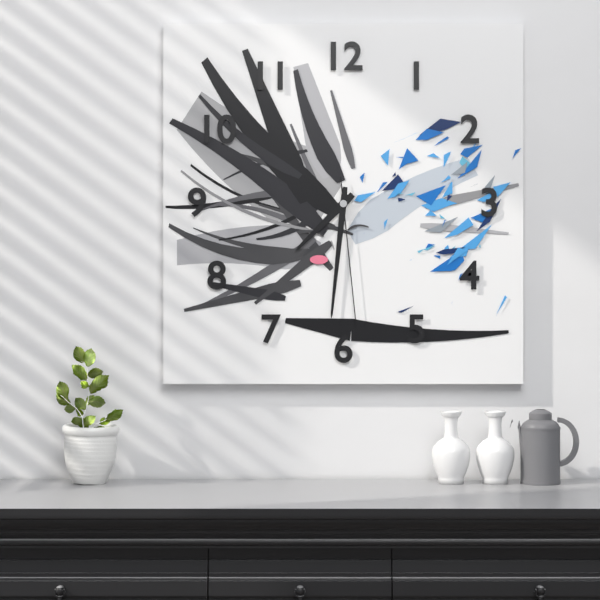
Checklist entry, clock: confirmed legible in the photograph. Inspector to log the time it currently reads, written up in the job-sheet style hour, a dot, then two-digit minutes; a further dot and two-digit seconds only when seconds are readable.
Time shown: 7.31.29
